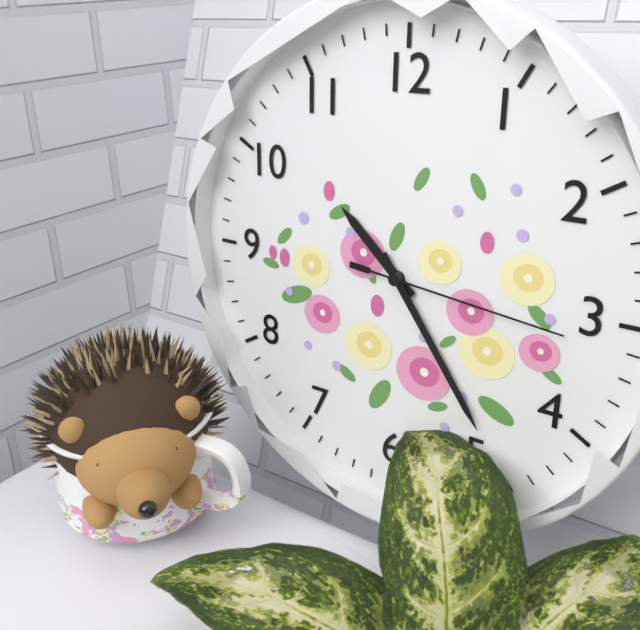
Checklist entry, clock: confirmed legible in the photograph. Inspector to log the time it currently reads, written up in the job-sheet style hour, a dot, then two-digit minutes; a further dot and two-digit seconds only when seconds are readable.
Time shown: 10.24.16
